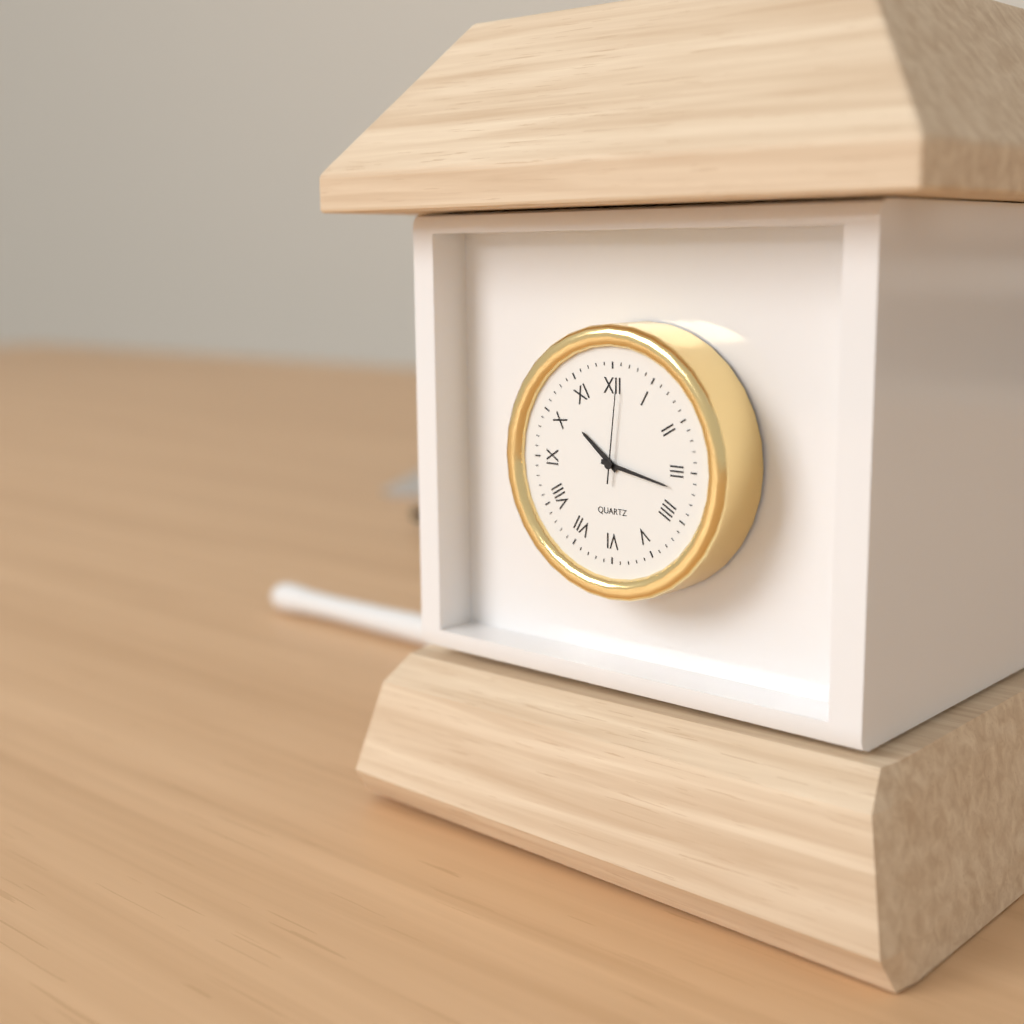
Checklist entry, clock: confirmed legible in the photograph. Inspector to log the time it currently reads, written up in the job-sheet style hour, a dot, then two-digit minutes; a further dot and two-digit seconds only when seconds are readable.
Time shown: 10.17.01
